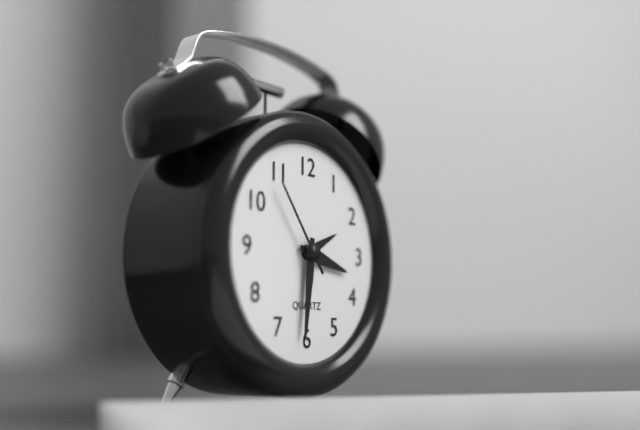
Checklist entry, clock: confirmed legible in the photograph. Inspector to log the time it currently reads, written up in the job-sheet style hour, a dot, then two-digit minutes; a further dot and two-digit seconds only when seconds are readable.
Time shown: 3.31.54
